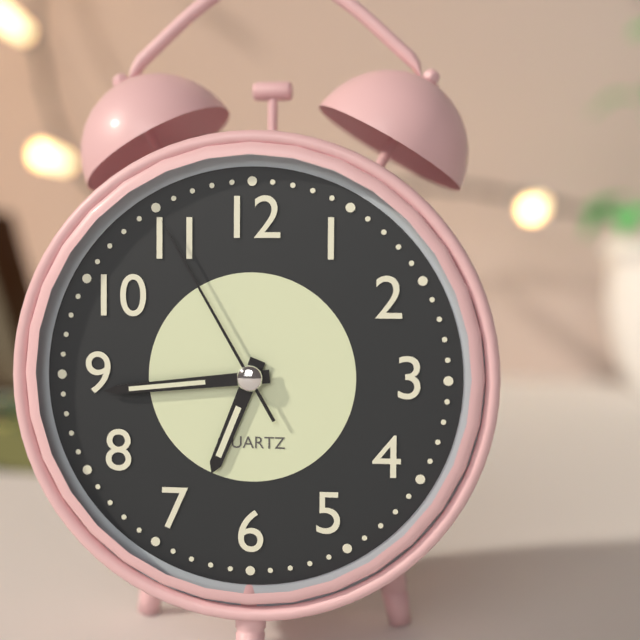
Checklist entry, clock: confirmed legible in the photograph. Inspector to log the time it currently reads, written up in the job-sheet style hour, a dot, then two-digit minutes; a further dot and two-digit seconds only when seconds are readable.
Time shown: 6.44.55
